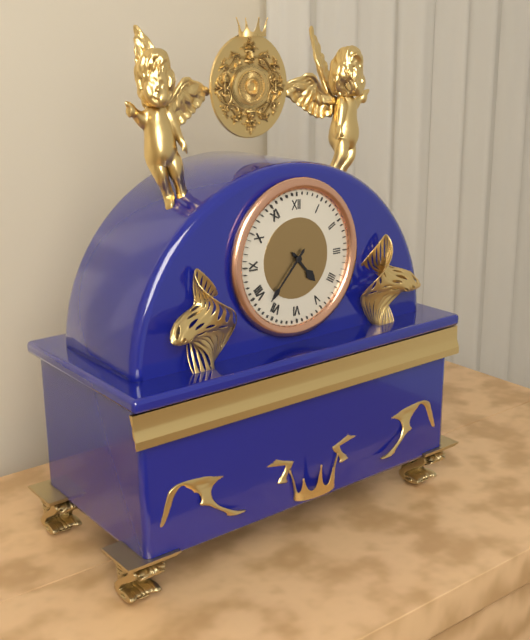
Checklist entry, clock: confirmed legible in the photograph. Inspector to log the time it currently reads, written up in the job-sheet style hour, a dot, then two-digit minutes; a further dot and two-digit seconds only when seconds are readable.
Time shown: 4.37
